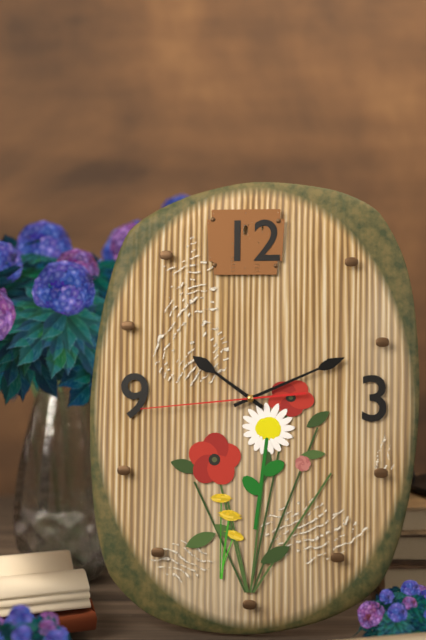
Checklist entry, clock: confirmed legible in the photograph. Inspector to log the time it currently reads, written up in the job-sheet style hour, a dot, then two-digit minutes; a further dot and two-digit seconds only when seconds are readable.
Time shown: 10.11.44
